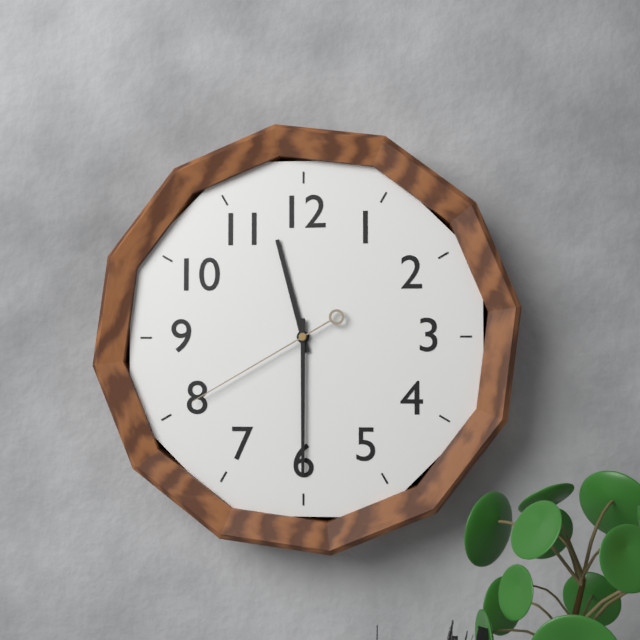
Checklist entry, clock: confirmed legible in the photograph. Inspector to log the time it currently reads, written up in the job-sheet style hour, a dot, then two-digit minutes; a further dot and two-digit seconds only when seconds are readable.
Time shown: 11.30.40
